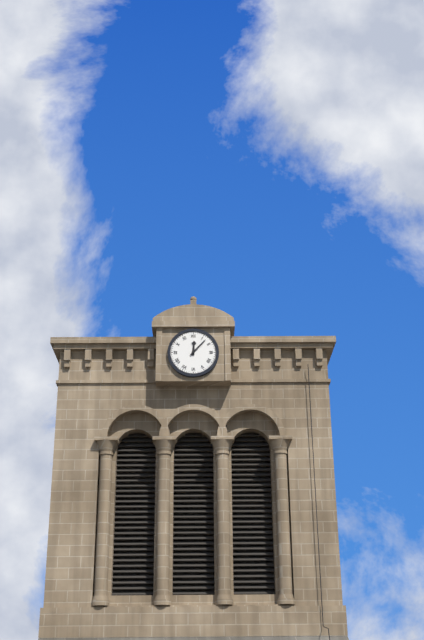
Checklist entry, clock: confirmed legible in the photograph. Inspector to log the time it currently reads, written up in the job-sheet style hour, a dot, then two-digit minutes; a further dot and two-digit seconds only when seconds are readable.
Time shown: 12.07
